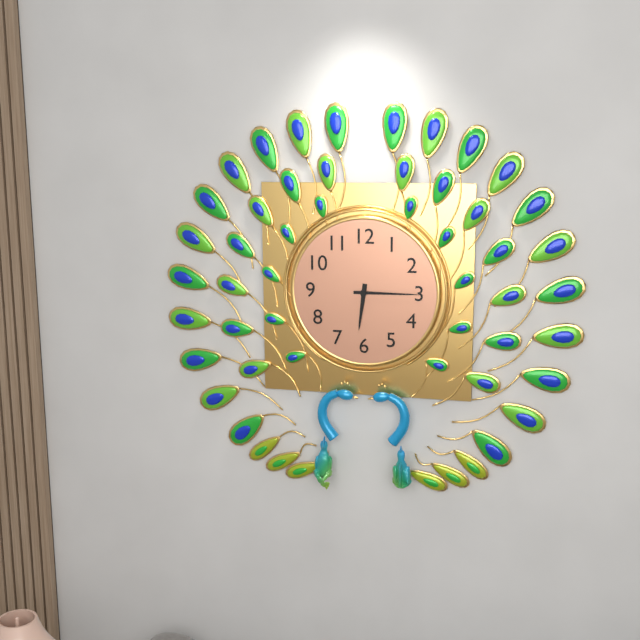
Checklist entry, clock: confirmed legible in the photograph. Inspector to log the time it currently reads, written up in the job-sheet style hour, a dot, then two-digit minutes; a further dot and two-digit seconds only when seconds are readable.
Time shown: 6.15
